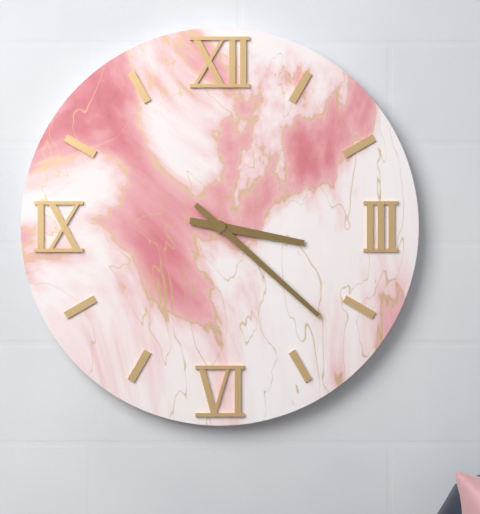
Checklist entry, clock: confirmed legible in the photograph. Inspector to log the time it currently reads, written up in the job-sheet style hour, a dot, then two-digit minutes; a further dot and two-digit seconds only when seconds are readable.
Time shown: 3.22
